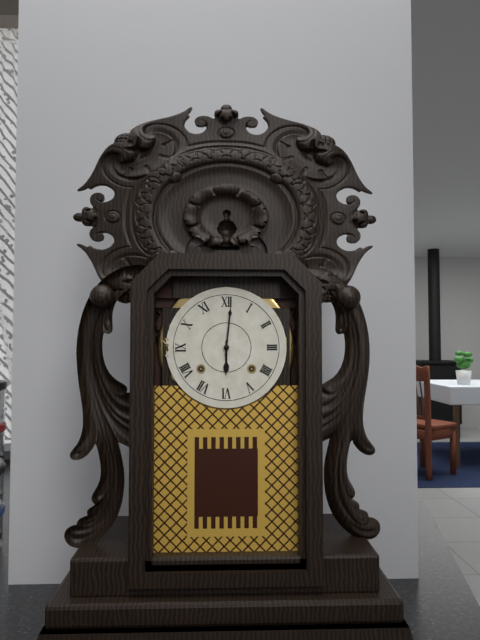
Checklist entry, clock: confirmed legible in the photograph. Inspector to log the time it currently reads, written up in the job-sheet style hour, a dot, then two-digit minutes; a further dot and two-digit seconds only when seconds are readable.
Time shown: 6.01
